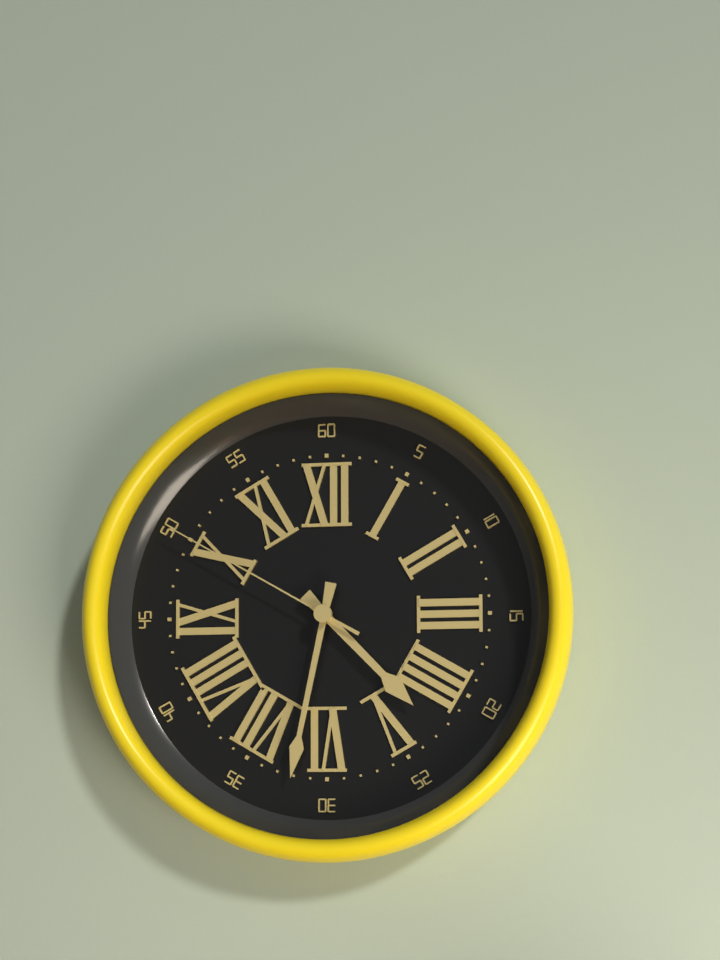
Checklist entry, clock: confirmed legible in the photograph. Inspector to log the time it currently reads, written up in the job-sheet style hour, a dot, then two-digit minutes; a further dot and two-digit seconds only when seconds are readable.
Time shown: 4.32.50
